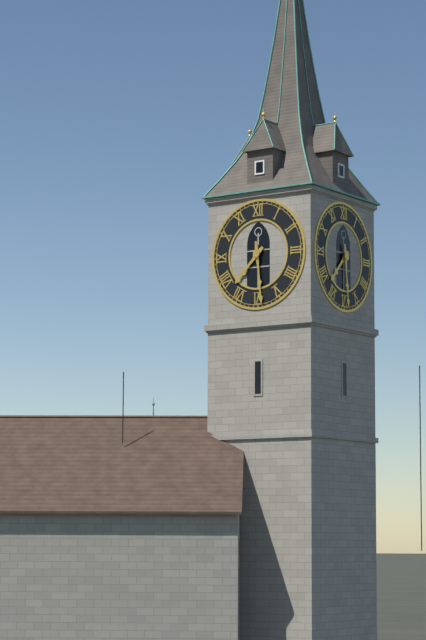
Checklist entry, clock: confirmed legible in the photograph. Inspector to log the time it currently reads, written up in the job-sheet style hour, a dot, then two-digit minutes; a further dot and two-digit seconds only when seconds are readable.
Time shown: 7.29
